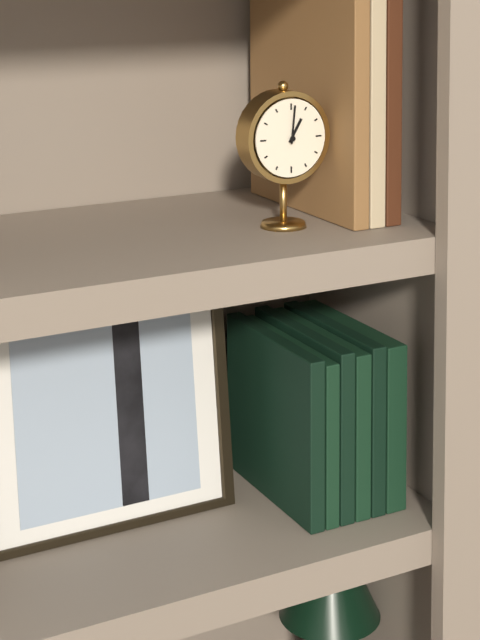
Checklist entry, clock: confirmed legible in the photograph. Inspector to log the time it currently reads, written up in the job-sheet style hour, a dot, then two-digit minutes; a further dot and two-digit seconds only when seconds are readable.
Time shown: 1.01
